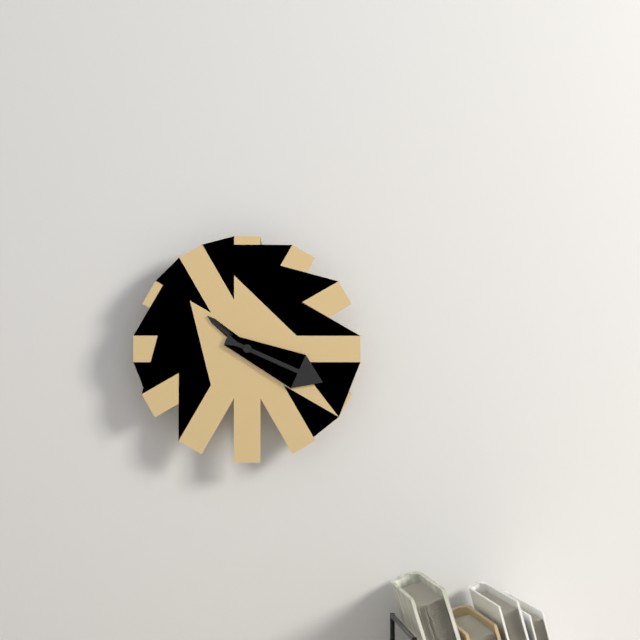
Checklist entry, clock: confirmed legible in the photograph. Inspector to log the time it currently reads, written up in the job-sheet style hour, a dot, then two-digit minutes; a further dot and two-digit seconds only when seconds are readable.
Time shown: 10.19
